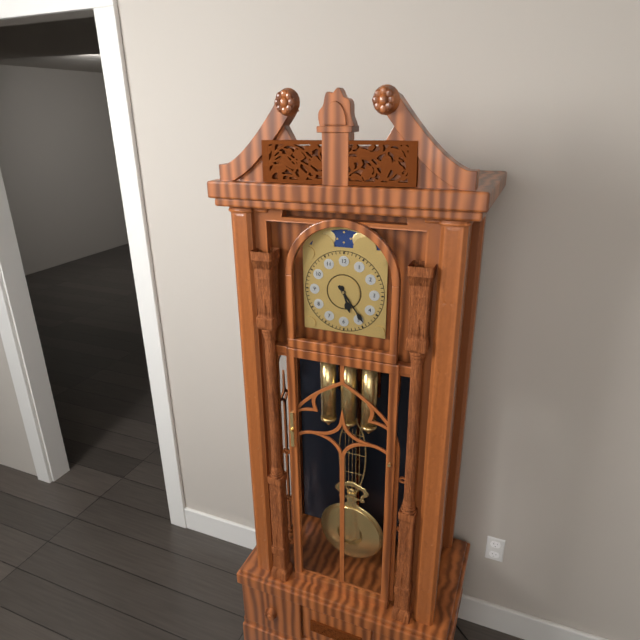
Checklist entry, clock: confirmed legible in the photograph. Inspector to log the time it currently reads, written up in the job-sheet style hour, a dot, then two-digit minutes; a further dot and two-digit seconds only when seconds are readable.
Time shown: 5.24
